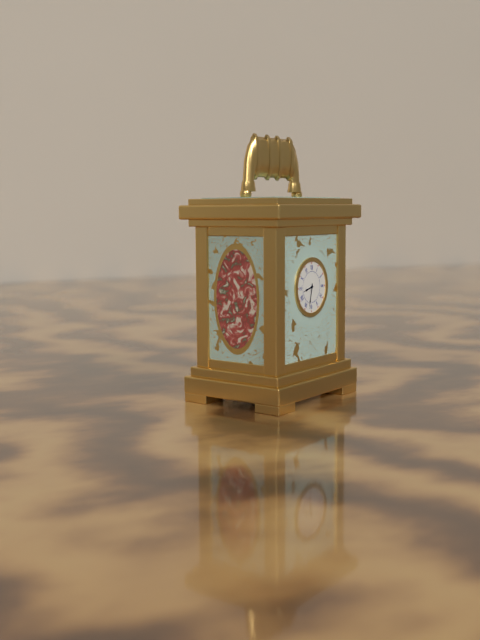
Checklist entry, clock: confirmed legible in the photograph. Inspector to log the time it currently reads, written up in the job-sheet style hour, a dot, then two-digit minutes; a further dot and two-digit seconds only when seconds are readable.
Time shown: 8.32
